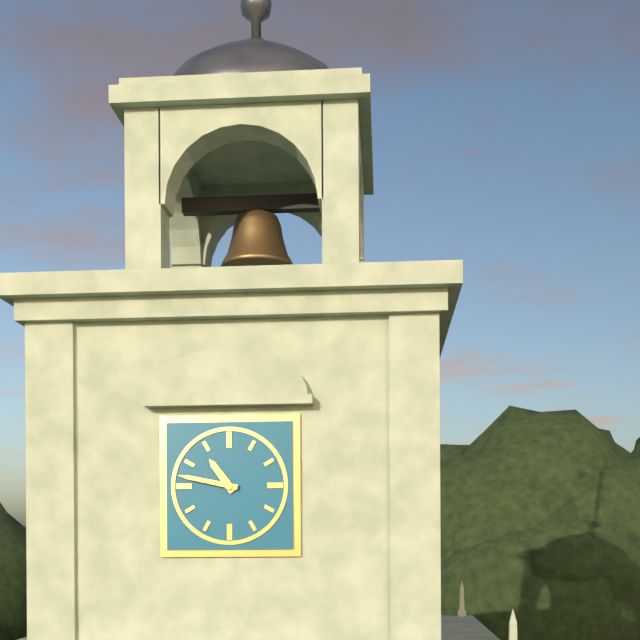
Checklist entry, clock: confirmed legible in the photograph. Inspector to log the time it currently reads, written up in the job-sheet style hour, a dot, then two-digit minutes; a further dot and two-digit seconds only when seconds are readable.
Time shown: 10.47
